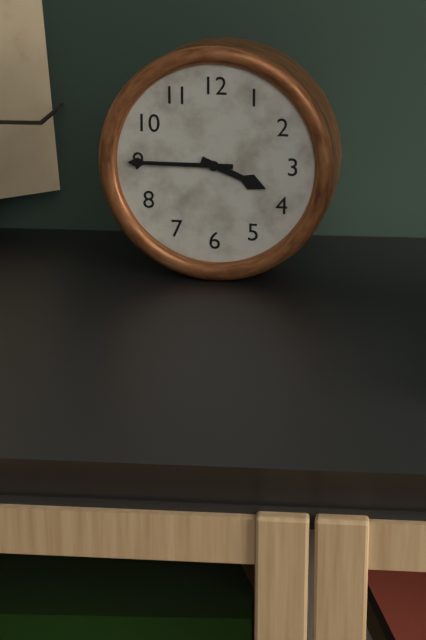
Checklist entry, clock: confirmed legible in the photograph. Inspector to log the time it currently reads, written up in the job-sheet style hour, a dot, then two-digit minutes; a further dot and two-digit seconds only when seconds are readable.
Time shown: 3.45
